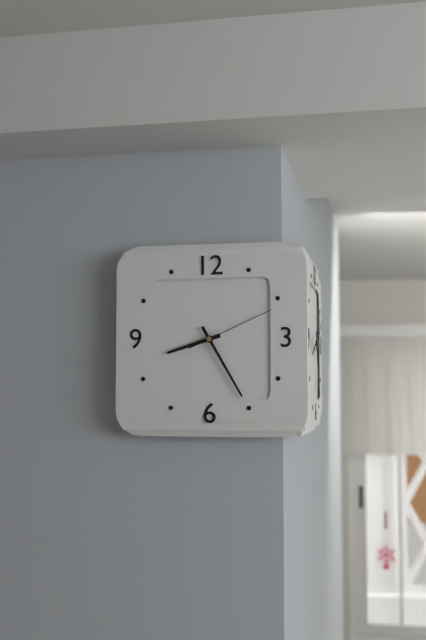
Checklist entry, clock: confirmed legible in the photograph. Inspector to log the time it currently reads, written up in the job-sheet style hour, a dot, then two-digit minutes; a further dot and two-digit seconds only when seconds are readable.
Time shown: 8.25.11
